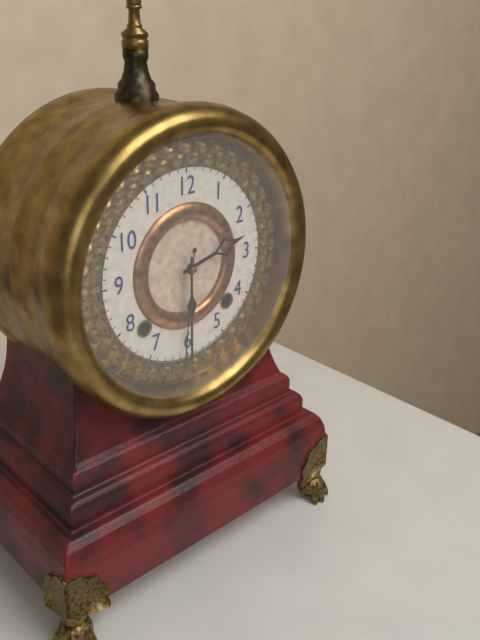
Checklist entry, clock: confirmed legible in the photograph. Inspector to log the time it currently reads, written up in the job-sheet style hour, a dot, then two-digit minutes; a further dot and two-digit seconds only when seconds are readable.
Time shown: 2.30.31
